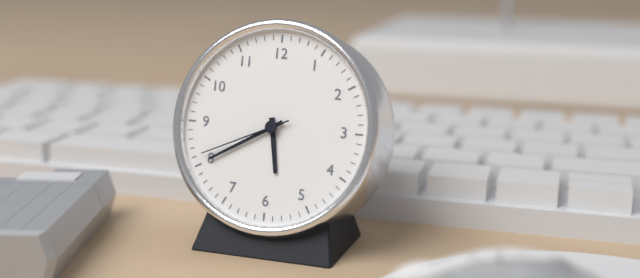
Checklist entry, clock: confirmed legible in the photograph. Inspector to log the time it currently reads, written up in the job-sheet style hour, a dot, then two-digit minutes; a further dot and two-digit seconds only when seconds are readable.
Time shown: 5.40.41
